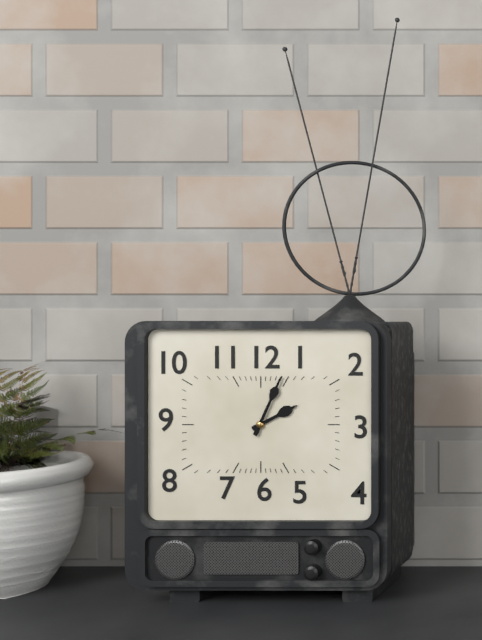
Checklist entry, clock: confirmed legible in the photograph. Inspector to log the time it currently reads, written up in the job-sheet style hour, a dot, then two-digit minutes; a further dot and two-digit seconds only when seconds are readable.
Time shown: 2.04
